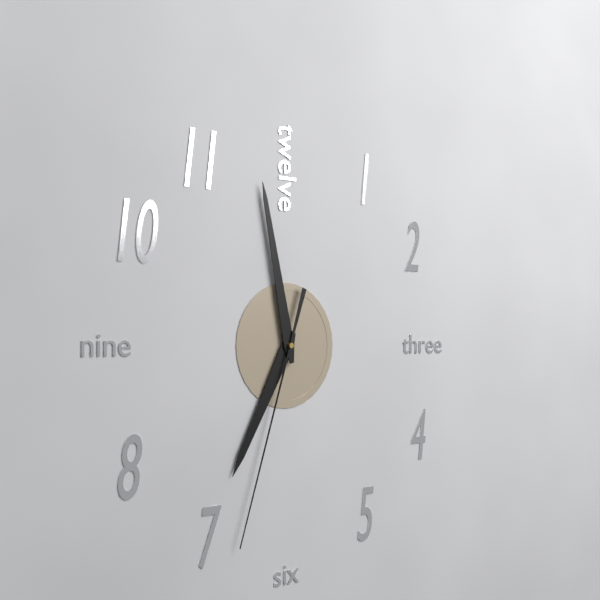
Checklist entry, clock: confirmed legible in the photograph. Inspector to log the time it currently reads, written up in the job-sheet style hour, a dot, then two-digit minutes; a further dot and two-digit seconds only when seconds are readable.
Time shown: 6.58.33
